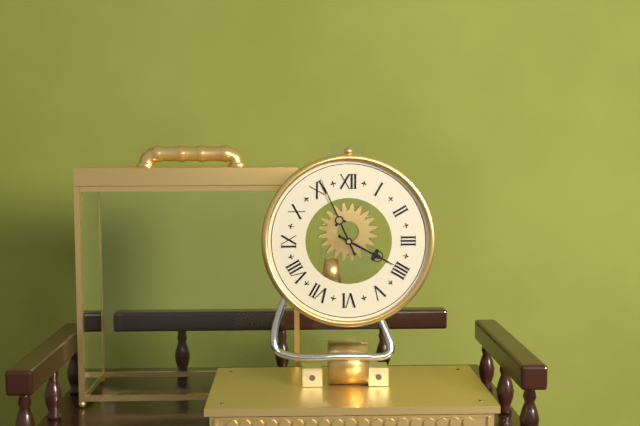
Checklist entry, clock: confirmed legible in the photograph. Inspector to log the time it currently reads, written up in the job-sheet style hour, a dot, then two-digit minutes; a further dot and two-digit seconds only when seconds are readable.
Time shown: 3.56
